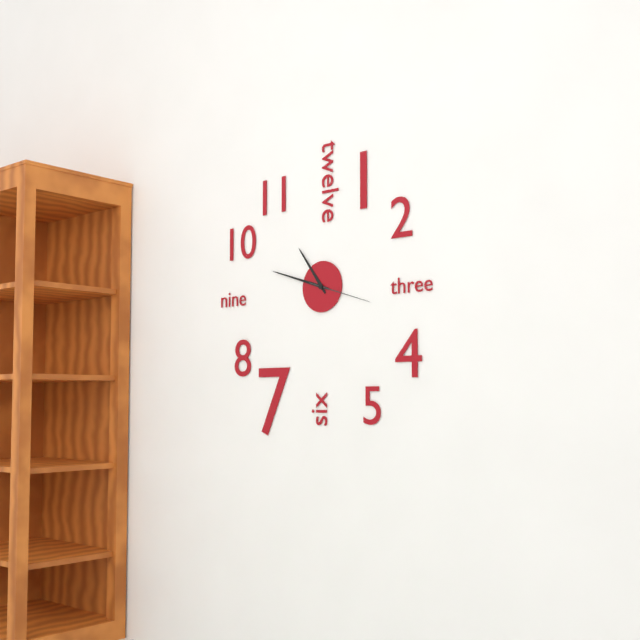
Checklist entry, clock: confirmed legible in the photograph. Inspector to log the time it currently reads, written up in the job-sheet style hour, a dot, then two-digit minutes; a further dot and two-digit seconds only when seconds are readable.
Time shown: 10.48.18
